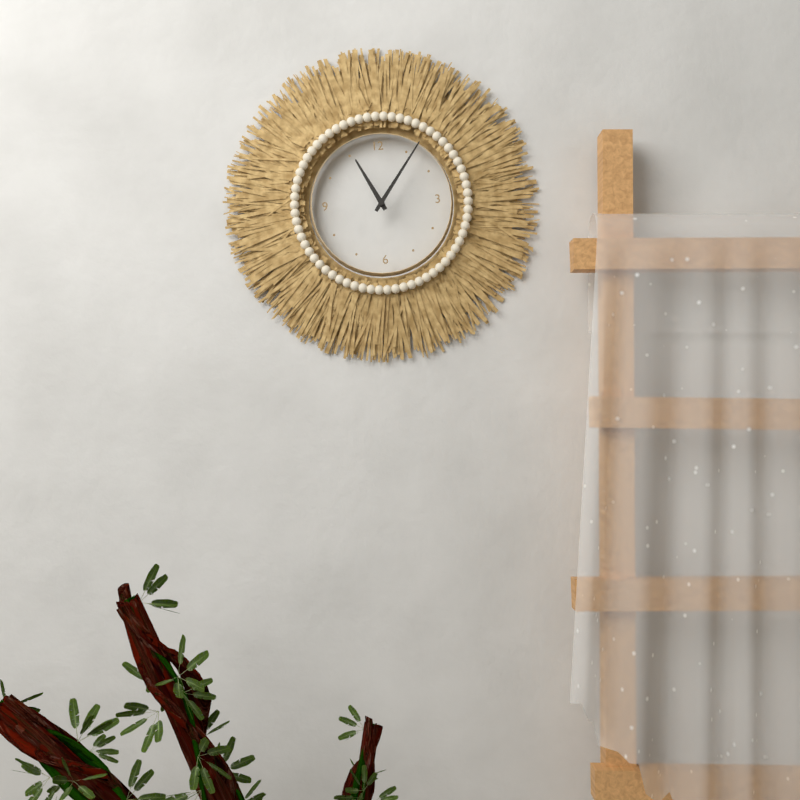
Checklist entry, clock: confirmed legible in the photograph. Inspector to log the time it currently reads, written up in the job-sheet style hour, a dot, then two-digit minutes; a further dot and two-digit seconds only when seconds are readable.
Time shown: 11.06
